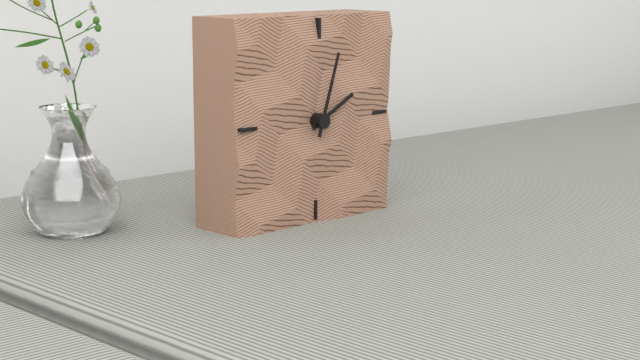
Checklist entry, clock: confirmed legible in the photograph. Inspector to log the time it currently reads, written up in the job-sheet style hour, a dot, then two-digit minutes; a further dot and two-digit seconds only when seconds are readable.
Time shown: 2.03
